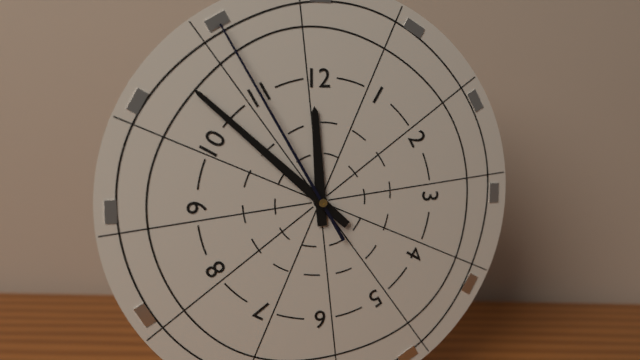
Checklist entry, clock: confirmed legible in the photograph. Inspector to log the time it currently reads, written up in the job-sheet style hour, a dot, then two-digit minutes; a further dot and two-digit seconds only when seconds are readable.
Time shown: 11.52.55
